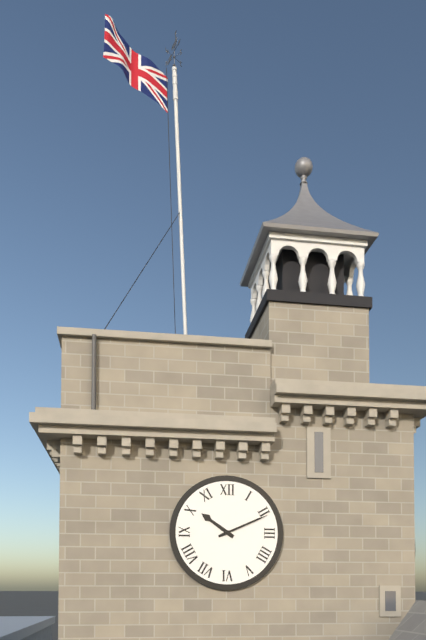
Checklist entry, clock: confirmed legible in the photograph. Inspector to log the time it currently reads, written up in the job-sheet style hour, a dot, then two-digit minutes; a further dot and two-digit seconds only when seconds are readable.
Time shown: 10.11
